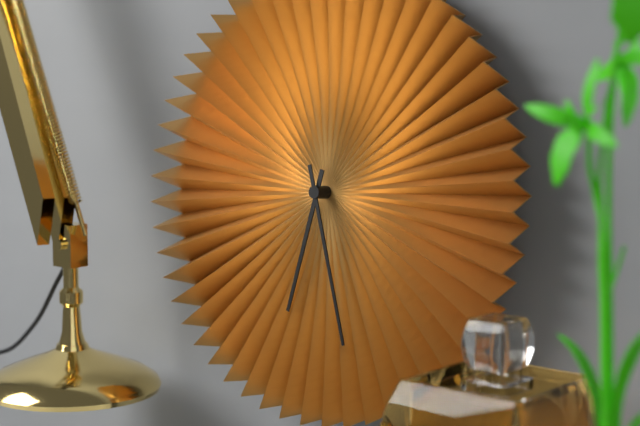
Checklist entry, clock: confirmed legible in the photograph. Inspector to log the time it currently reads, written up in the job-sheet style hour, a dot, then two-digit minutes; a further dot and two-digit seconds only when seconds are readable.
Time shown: 6.27
